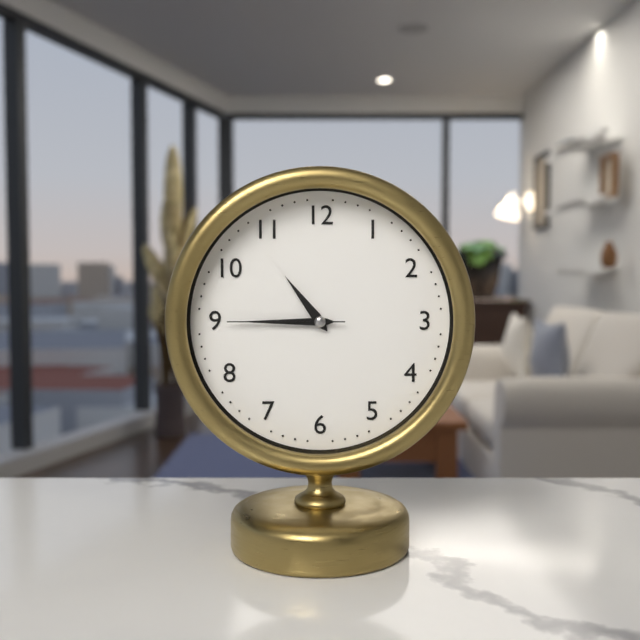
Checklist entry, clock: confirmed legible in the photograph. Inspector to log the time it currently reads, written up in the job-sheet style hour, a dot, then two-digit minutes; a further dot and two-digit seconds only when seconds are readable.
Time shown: 10.45.45
